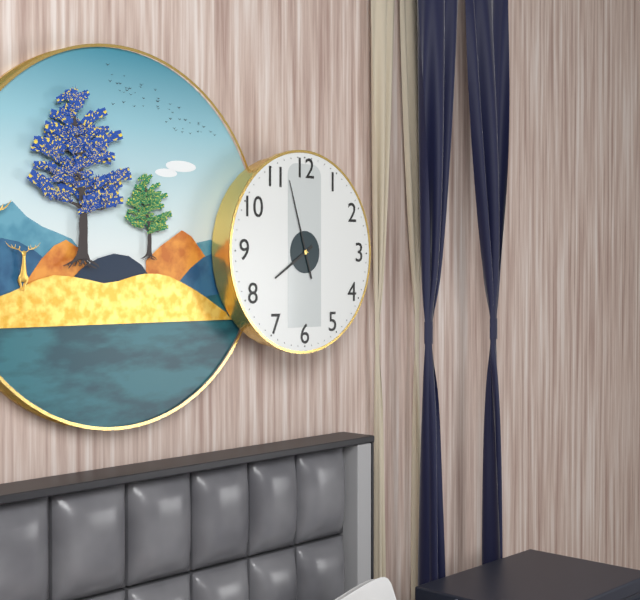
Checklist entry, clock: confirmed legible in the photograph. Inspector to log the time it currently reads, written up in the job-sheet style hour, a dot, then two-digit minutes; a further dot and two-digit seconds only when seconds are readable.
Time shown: 7.57
